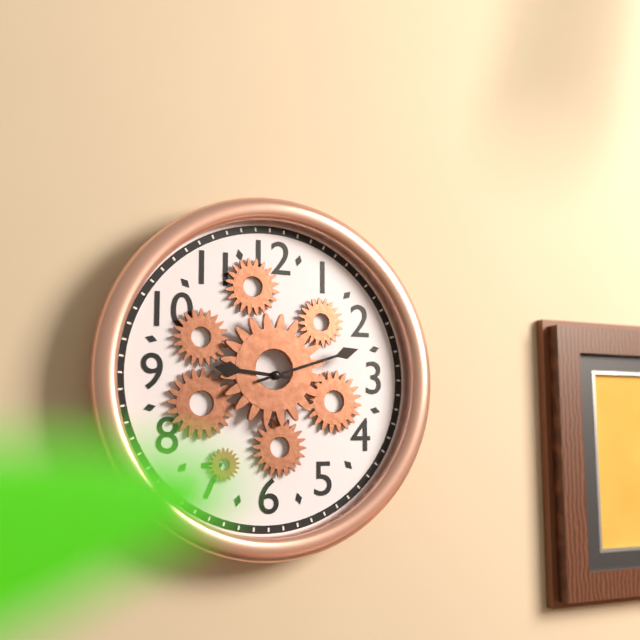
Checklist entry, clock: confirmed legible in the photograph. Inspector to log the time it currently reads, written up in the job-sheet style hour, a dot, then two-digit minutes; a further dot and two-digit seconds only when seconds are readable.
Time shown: 9.12
